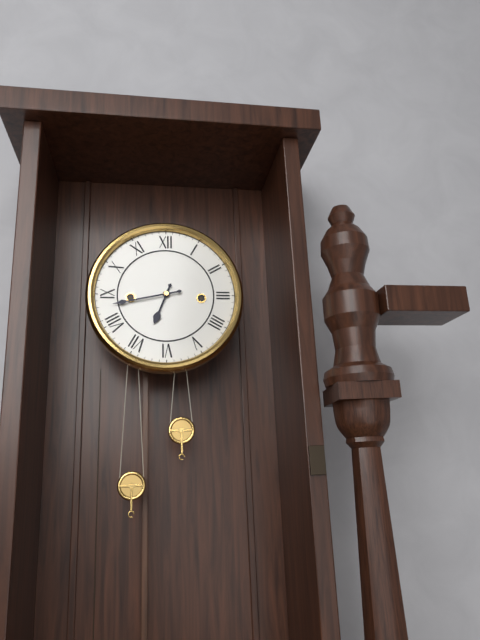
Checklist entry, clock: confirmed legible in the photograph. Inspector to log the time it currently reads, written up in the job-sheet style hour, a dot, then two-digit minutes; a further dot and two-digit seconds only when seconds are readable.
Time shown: 6.43
